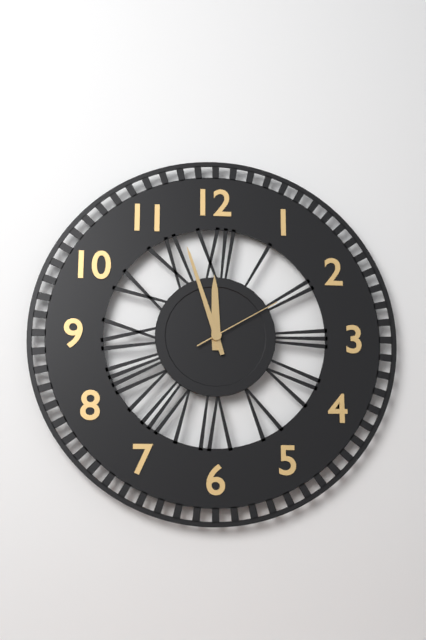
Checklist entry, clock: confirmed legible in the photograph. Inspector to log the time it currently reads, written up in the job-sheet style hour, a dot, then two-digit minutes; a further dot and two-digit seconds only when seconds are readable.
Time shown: 11.57.10
